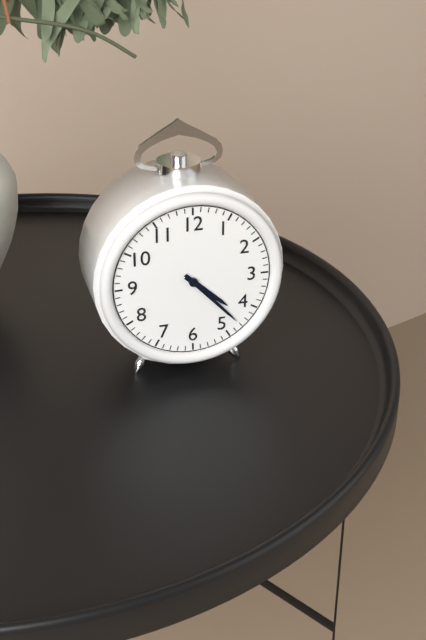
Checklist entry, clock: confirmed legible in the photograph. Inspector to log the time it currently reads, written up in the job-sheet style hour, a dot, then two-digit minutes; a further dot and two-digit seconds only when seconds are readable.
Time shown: 4.23
